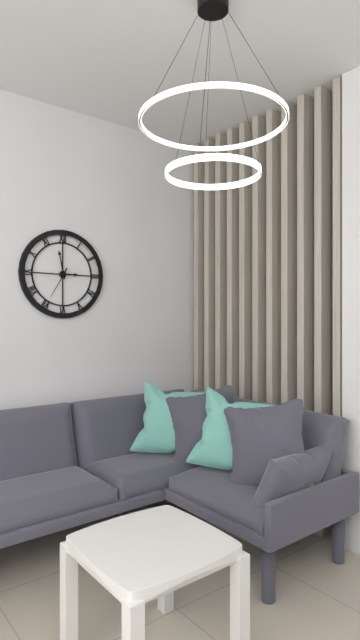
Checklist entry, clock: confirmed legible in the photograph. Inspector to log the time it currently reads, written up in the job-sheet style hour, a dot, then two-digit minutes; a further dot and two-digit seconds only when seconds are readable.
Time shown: 2.58
